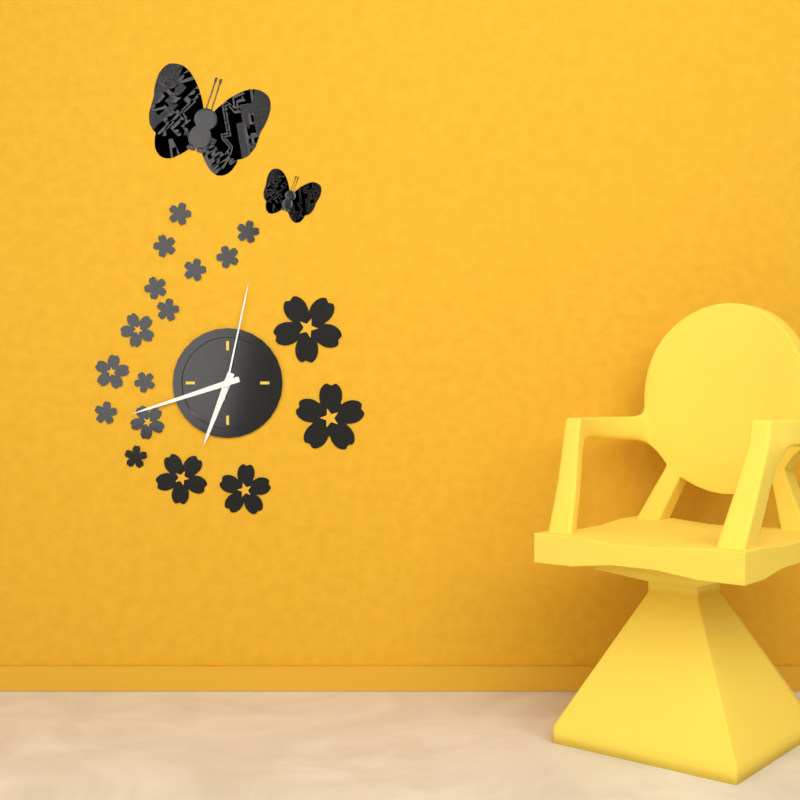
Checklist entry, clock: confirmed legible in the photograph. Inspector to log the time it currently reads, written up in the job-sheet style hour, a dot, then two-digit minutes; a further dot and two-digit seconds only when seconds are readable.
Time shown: 6.42.02
